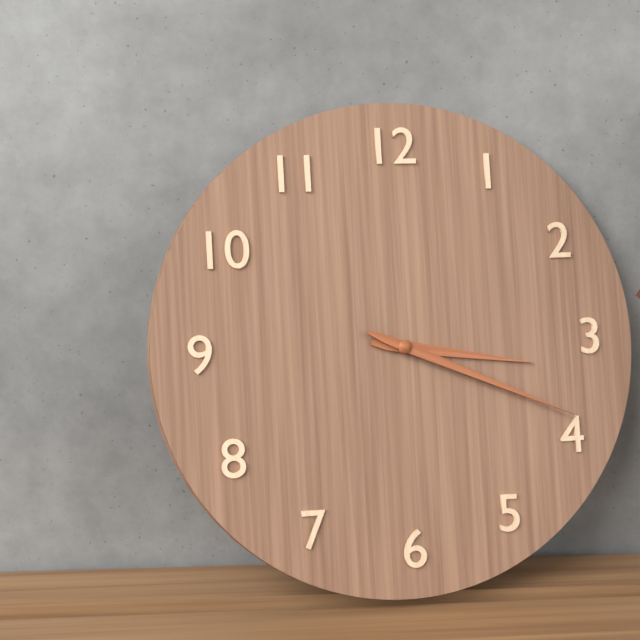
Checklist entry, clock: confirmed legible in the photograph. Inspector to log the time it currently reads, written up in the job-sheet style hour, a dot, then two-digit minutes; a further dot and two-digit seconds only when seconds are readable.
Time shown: 3.19
